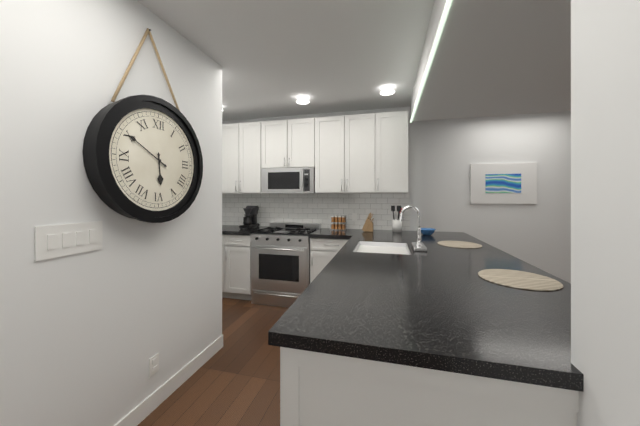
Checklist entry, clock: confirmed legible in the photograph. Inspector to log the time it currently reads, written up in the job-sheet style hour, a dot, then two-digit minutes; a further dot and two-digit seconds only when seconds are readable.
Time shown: 5.50
